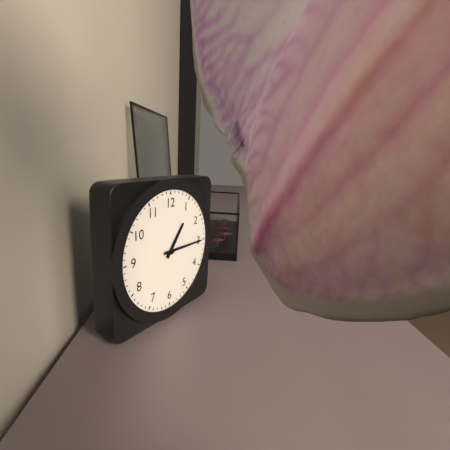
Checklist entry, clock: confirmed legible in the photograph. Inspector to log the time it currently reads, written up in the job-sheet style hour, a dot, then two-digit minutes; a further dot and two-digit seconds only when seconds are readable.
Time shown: 1.15
